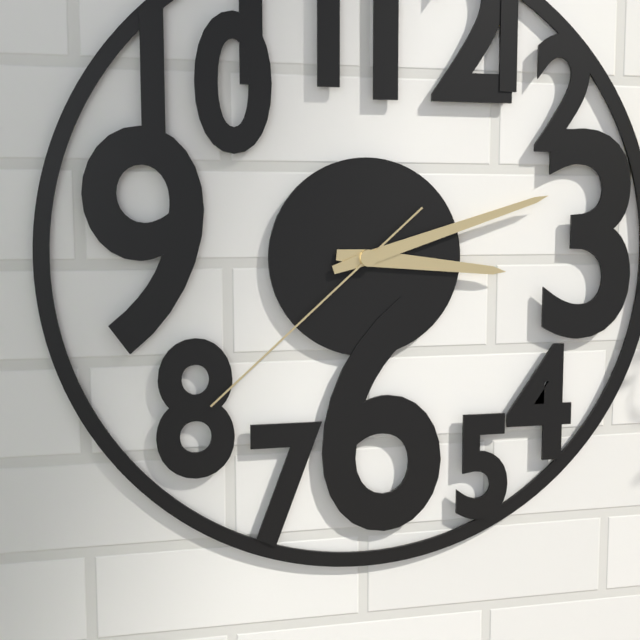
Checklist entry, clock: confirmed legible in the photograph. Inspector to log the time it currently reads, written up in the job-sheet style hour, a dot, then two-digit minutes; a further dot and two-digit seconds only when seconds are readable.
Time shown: 3.12.38
